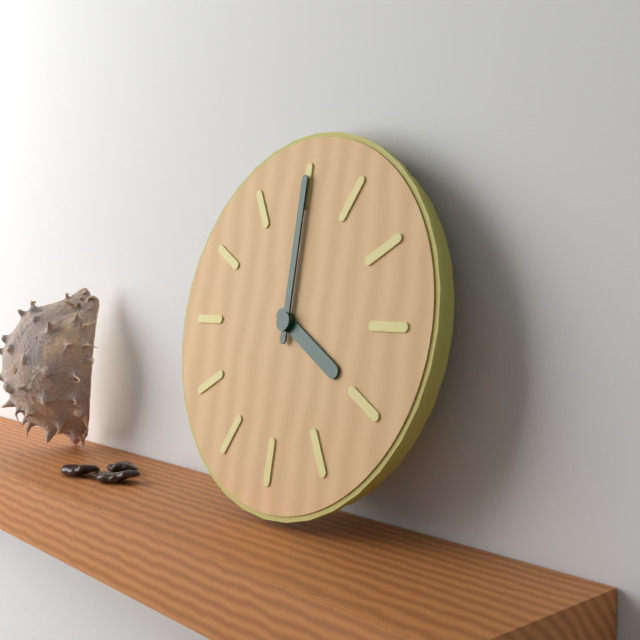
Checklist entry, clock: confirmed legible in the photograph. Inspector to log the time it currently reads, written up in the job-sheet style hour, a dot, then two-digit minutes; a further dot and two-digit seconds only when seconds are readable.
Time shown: 4.00
